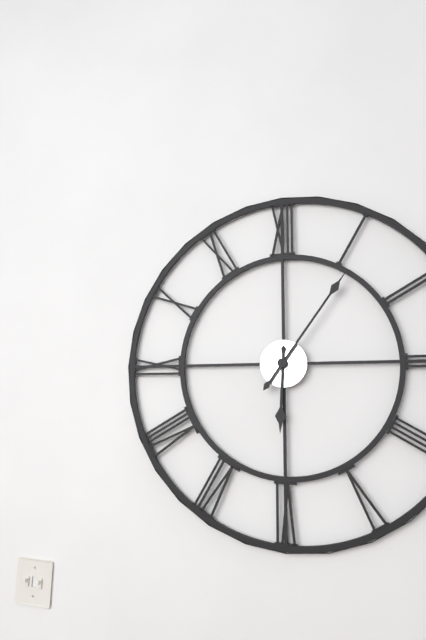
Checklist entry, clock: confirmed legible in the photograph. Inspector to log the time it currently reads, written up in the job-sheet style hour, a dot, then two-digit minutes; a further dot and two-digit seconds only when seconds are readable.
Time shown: 6.06
